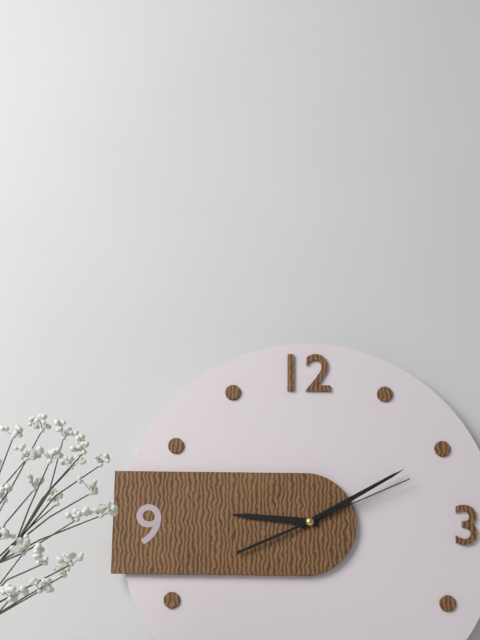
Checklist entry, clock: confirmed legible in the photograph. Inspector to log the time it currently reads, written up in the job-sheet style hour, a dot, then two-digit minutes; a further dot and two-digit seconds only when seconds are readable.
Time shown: 9.10.11
